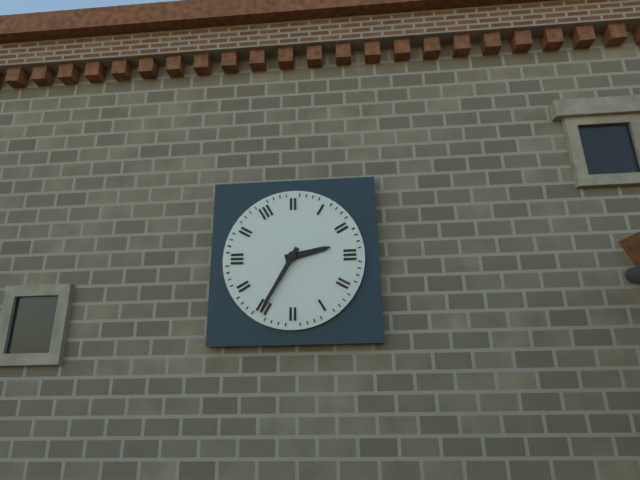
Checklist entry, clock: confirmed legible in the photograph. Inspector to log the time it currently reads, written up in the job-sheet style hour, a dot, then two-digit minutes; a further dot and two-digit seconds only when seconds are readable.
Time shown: 2.35
